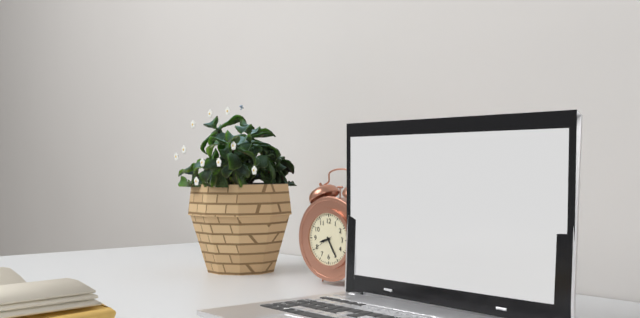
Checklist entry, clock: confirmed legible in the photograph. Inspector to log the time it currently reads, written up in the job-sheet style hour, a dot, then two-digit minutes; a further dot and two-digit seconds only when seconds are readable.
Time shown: 8.25
